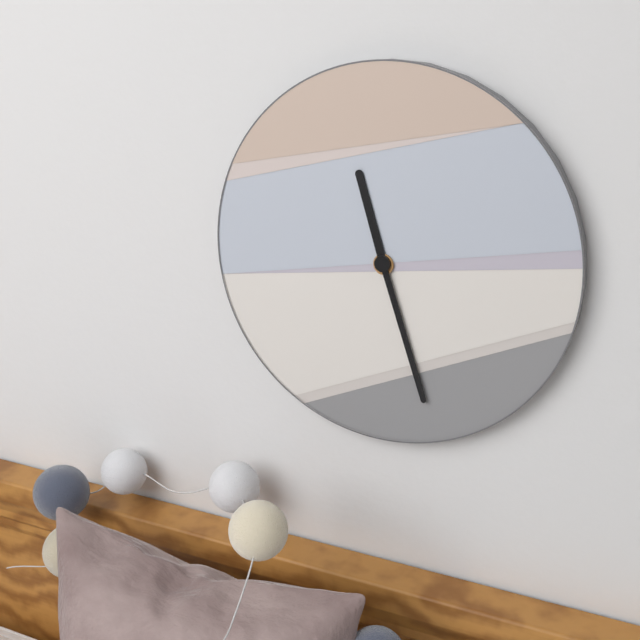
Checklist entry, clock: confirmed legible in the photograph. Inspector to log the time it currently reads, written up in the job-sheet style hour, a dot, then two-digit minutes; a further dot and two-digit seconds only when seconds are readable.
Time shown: 11.27
